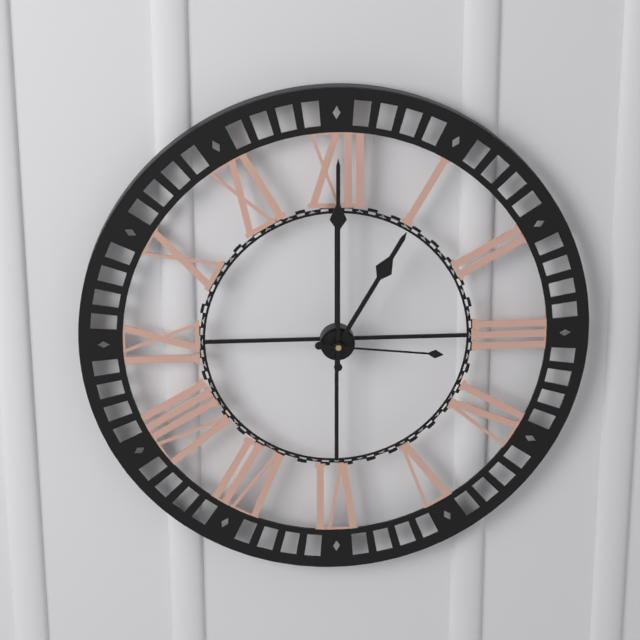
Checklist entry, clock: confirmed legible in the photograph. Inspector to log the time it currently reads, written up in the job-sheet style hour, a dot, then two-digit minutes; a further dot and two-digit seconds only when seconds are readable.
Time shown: 1.00.16
